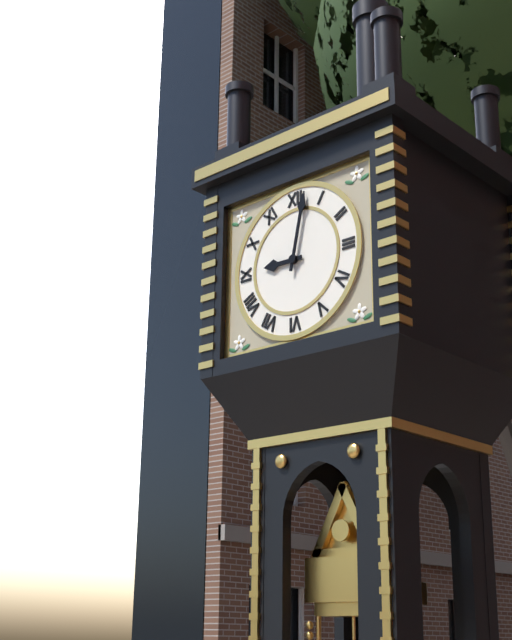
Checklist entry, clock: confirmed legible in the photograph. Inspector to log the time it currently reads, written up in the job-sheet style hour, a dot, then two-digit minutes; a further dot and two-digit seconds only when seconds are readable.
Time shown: 9.02
